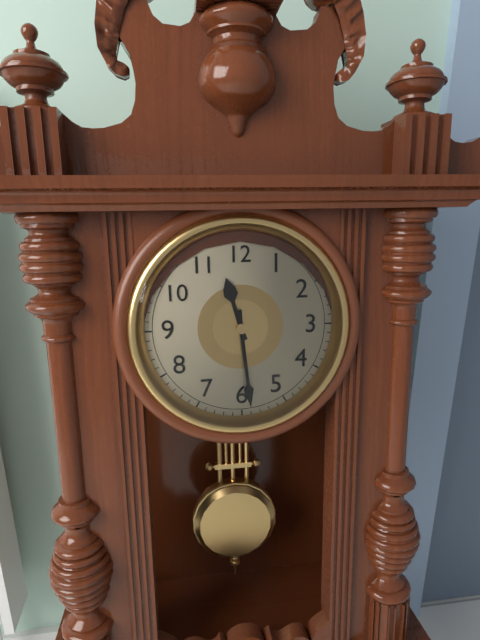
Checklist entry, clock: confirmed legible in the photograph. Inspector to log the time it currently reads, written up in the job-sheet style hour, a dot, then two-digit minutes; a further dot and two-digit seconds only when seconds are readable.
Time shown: 11.29
